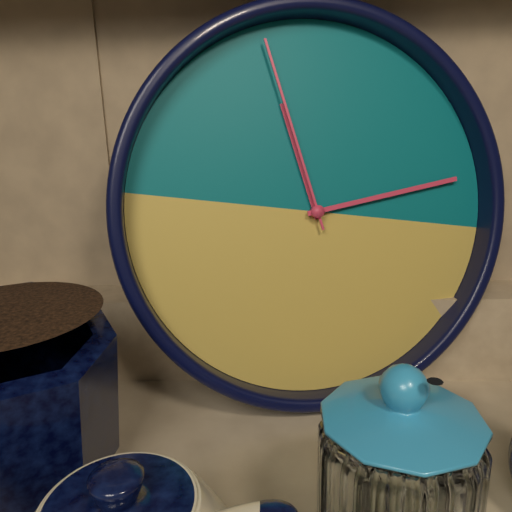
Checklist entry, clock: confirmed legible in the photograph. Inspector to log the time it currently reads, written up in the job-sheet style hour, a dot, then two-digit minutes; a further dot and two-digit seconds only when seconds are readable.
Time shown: 11.12.56
